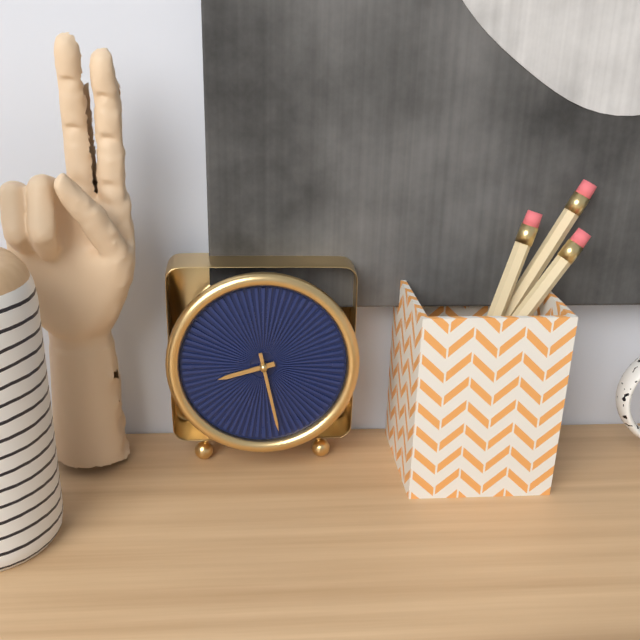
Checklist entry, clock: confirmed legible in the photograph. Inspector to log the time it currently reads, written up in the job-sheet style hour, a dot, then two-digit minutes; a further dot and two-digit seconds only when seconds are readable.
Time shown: 8.28
